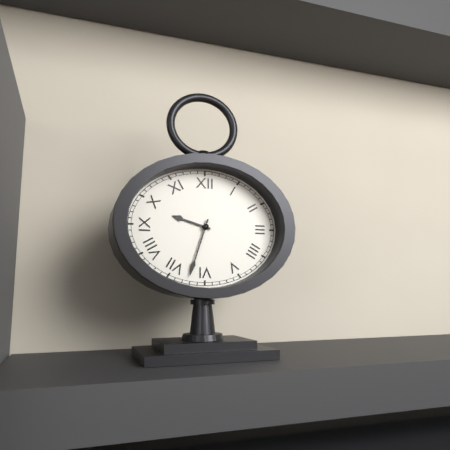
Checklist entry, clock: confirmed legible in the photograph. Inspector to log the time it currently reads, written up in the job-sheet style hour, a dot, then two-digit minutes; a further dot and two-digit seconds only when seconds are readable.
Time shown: 9.33
